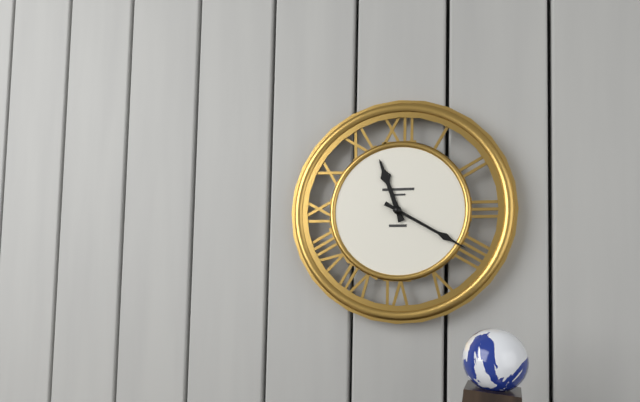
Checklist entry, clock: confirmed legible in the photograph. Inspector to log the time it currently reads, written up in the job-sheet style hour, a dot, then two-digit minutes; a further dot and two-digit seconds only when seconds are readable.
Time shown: 11.20
